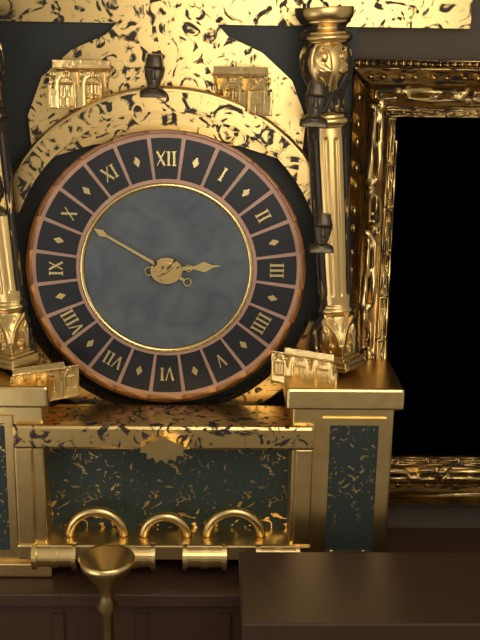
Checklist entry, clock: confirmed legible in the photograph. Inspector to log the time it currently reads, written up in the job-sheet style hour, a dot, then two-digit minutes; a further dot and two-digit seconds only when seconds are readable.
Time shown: 2.50
